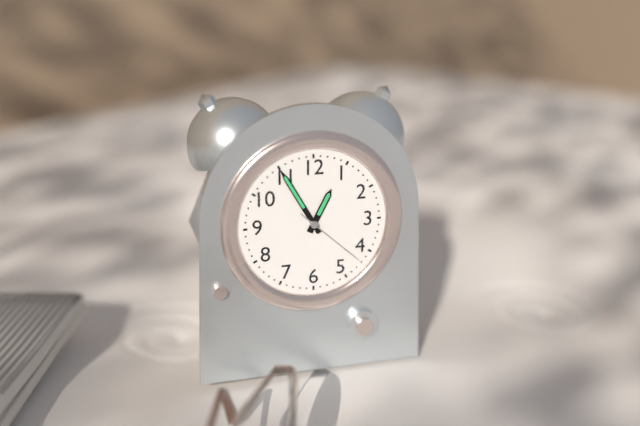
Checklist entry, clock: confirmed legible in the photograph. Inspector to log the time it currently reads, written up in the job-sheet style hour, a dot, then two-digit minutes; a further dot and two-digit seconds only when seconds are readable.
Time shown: 12.55.22
